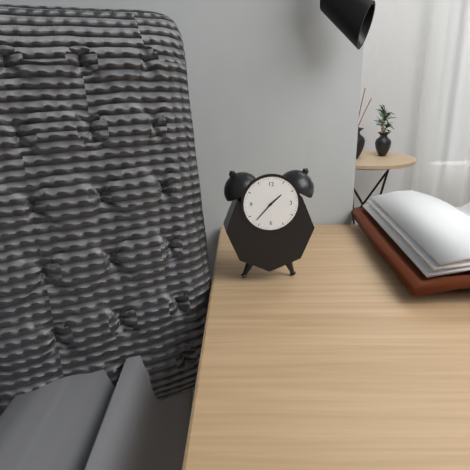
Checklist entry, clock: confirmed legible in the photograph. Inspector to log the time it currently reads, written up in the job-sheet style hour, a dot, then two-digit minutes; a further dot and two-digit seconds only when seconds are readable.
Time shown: 1.37
